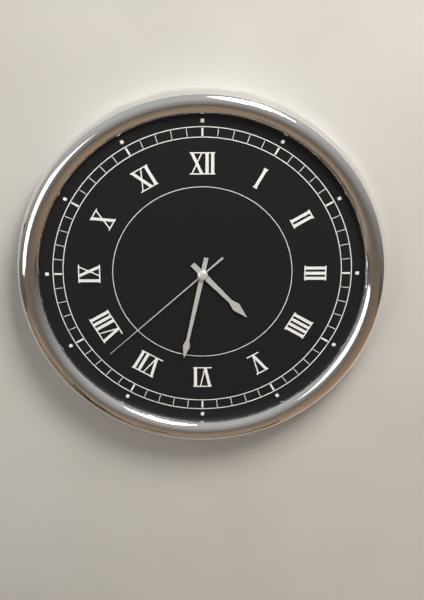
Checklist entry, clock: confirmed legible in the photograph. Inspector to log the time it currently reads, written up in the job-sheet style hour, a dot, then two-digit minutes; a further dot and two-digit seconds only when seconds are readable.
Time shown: 4.32.38
